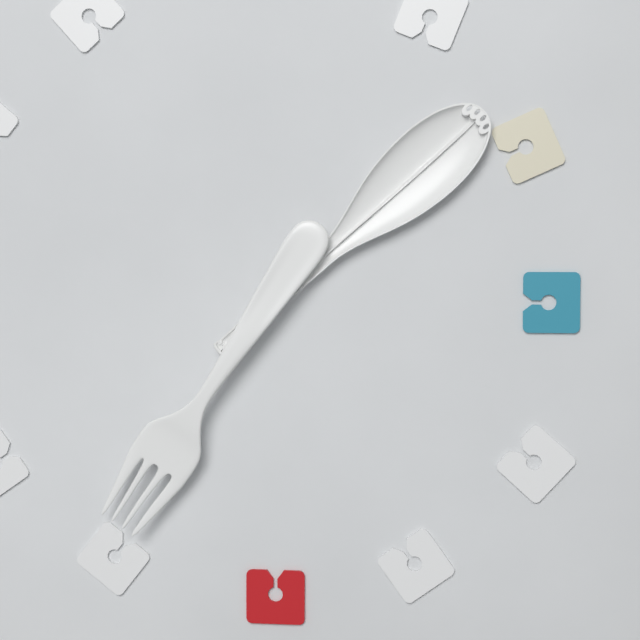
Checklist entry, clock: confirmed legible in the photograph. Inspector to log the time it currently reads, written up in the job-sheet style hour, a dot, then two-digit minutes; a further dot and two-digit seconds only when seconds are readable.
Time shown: 7.08
